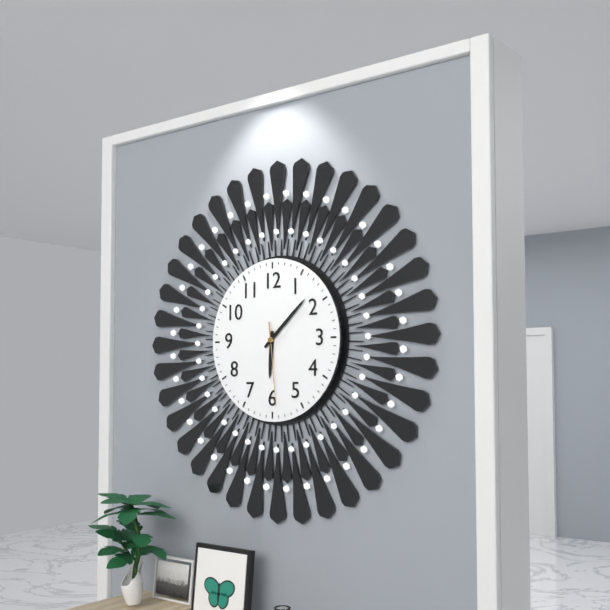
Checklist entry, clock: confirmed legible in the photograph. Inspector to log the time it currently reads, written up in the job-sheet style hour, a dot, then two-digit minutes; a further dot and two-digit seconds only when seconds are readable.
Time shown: 6.08.29
